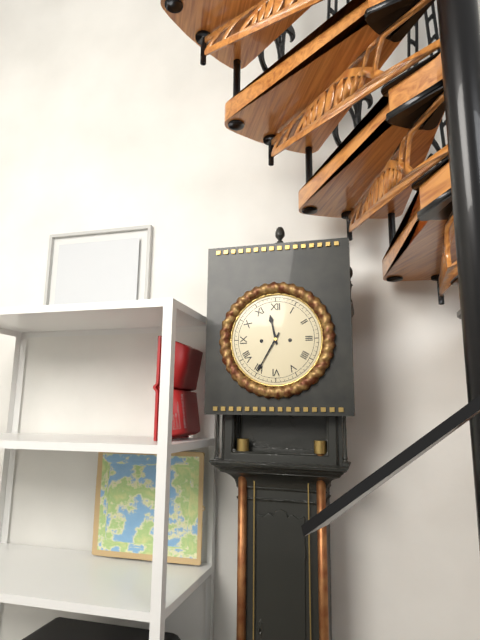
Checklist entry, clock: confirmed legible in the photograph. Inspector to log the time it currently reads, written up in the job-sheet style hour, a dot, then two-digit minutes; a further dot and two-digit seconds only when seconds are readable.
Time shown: 11.35
